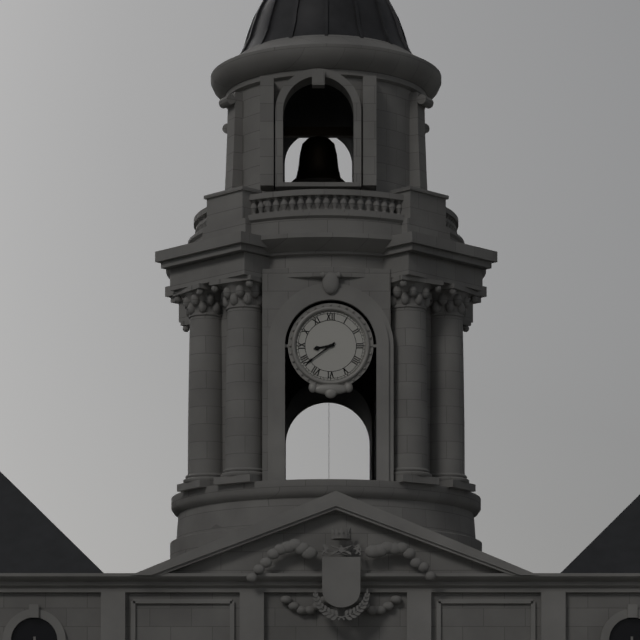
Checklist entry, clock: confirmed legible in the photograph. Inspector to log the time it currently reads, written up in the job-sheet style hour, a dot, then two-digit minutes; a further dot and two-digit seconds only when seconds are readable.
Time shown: 8.39
